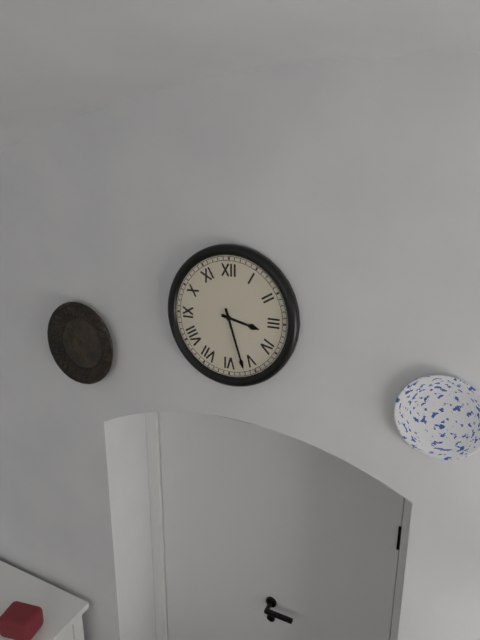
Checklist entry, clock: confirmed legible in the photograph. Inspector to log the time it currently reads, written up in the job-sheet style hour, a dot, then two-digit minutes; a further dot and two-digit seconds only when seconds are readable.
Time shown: 3.27
